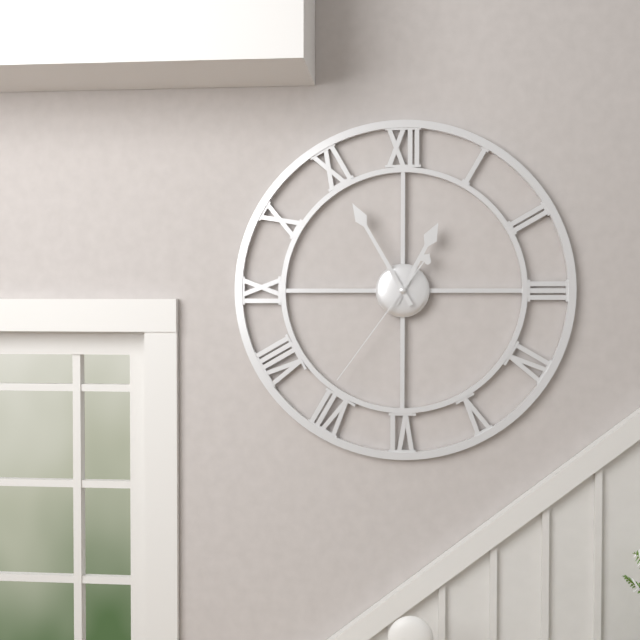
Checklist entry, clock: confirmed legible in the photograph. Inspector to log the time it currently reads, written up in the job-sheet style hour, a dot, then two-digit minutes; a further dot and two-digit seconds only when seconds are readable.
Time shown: 12.55.36
